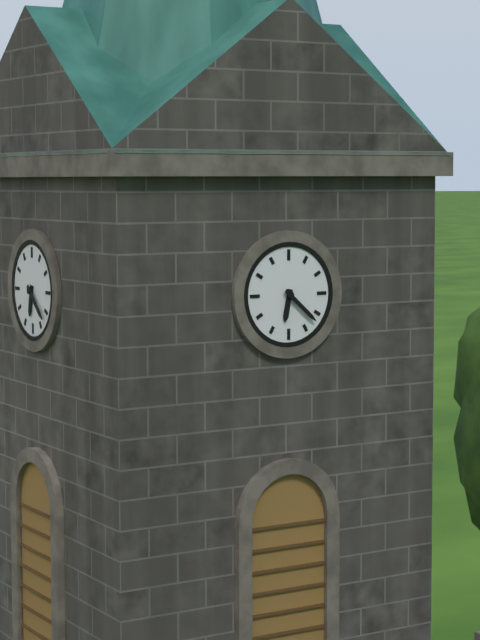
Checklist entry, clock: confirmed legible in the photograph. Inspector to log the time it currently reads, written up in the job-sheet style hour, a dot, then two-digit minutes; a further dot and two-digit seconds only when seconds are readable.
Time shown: 6.22
